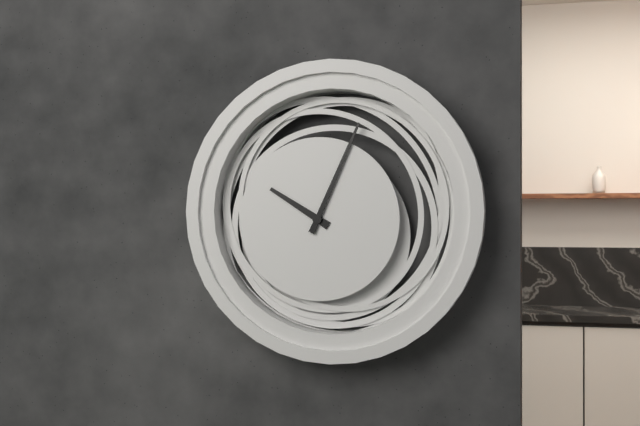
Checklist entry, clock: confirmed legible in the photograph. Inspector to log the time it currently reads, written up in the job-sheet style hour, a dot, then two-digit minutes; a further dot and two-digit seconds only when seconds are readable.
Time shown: 10.04
